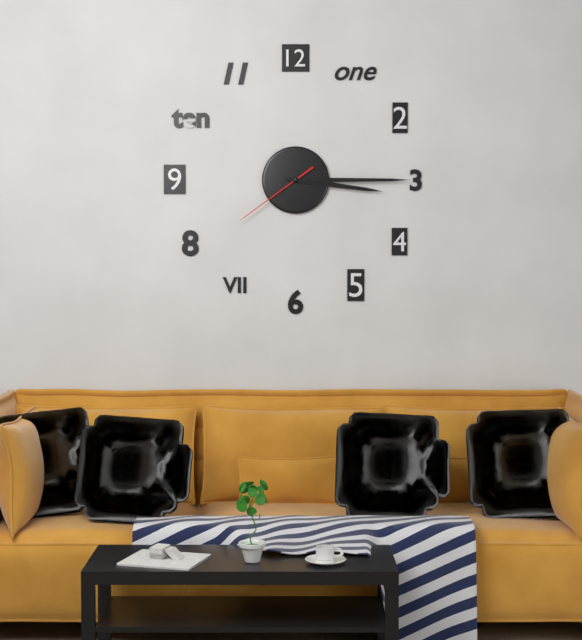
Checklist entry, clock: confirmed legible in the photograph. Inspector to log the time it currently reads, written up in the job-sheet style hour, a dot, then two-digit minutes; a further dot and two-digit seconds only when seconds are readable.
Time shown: 3.15.39
